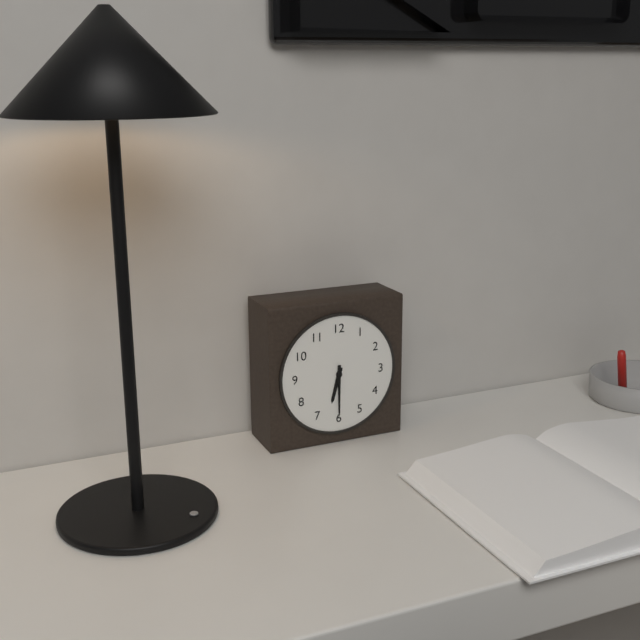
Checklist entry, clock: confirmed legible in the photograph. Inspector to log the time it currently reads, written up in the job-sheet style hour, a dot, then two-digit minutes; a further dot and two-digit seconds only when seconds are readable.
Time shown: 6.30
